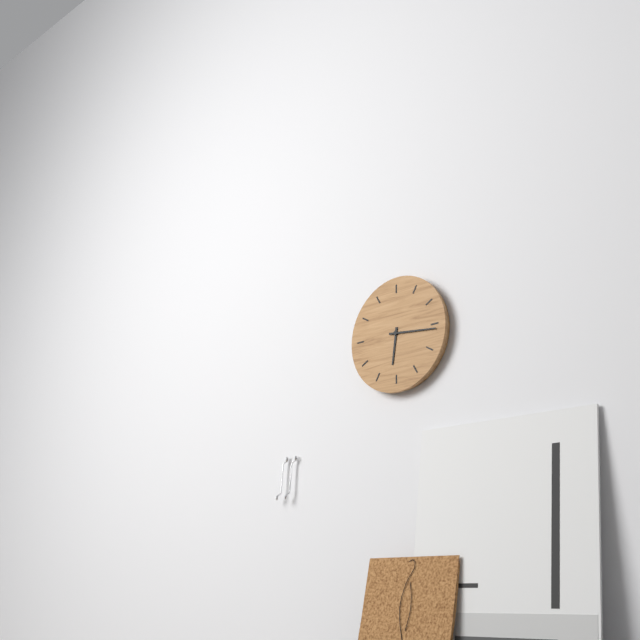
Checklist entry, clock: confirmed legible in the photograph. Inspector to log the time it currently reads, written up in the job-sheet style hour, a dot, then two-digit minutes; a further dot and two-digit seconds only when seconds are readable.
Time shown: 6.16
